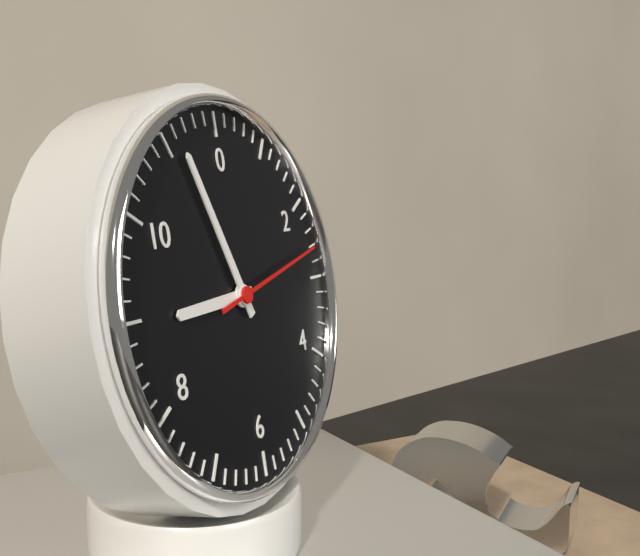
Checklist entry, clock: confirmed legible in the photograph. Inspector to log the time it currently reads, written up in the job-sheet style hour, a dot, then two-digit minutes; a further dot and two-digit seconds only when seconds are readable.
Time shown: 8.56.13
